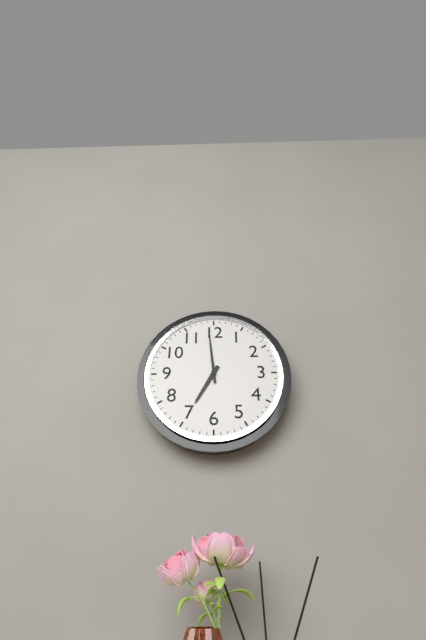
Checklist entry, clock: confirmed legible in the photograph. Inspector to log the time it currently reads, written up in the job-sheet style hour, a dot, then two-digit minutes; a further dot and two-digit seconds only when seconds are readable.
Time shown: 6.59
